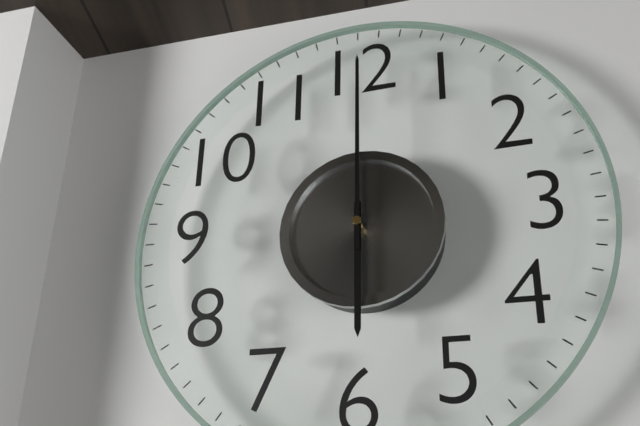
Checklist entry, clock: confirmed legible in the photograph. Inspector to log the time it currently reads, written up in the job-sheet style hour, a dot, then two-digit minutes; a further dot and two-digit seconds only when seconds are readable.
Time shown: 6.00
